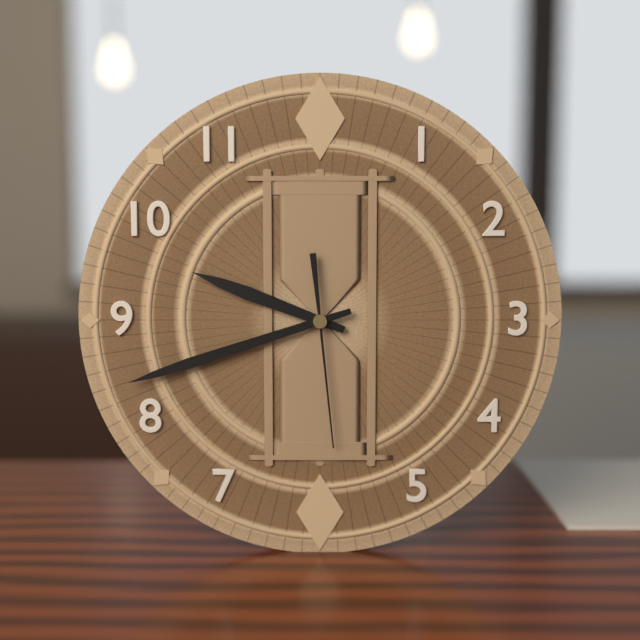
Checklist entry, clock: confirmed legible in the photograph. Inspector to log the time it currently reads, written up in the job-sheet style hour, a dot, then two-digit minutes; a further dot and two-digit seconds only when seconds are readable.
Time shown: 9.42.29
